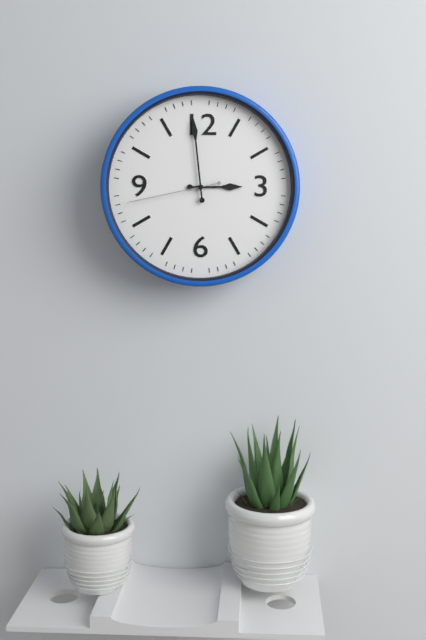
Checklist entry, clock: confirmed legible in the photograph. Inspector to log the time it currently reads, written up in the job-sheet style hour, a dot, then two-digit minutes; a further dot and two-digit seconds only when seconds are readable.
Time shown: 2.59.43
